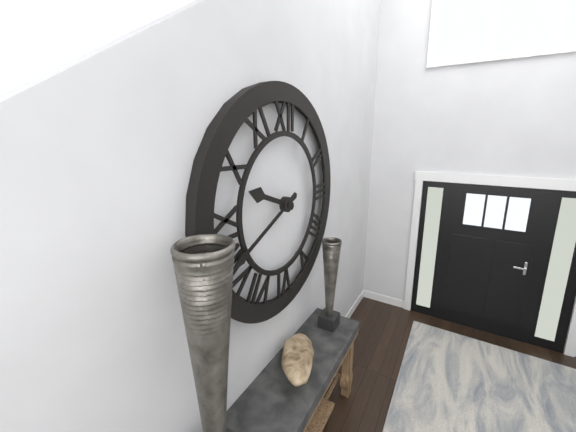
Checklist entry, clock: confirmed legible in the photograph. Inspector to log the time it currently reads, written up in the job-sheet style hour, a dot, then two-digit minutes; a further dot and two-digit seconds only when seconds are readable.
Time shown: 9.41
